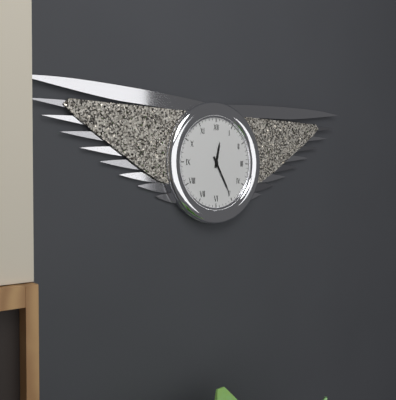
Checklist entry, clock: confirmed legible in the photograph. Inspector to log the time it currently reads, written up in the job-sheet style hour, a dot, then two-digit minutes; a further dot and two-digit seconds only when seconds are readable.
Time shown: 12.25
